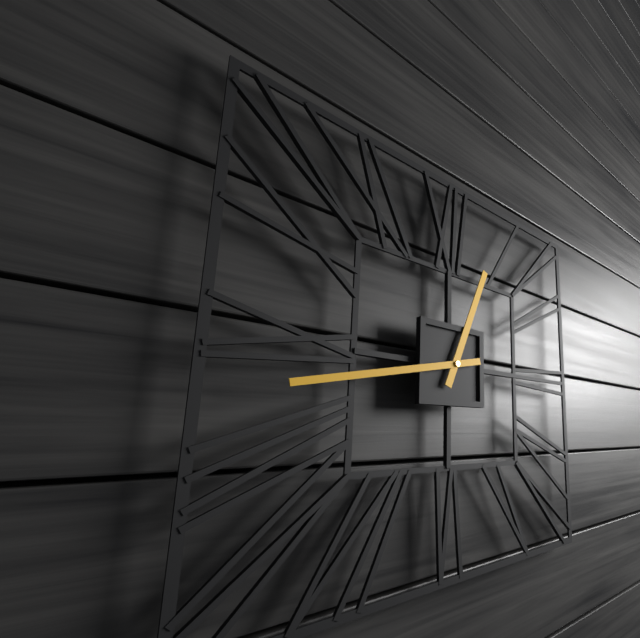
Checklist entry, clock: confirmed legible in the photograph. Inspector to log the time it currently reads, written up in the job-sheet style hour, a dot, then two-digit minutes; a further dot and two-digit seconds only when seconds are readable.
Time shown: 12.43
